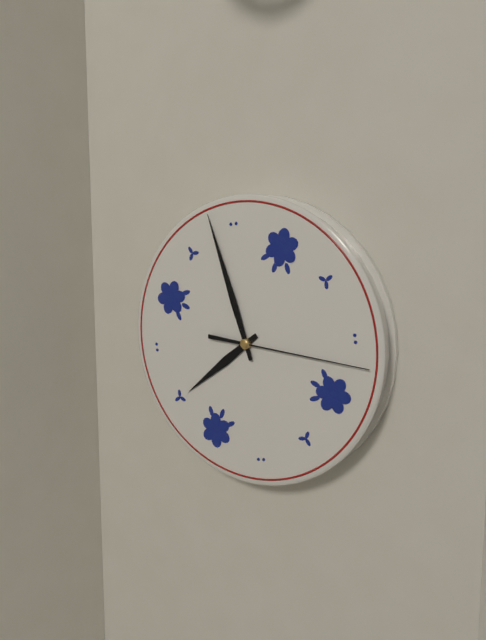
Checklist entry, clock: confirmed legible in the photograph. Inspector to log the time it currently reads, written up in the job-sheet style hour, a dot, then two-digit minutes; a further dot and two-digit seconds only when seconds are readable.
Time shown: 7.58.17
